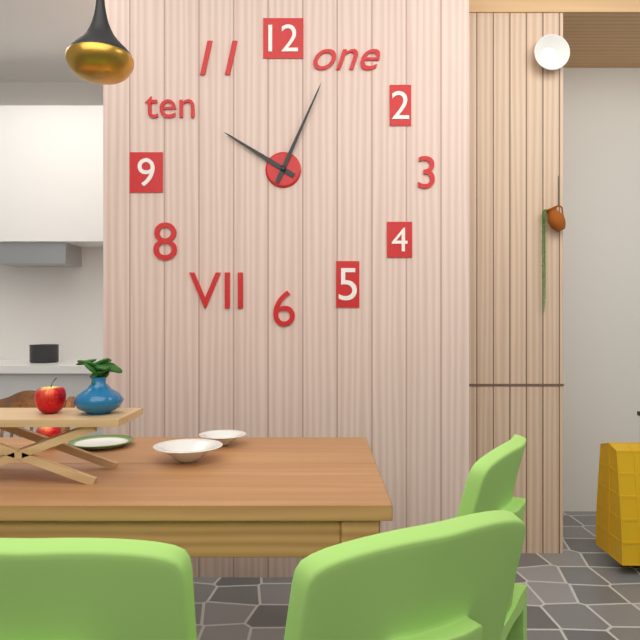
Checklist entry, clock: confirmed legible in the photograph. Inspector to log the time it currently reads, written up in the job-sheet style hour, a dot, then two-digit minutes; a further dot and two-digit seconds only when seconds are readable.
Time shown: 10.04
